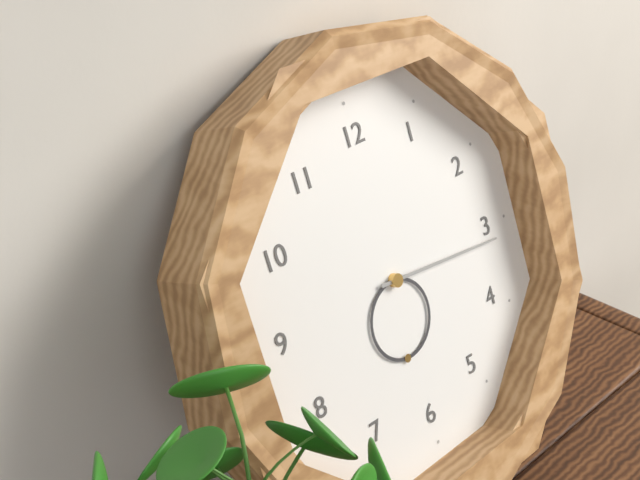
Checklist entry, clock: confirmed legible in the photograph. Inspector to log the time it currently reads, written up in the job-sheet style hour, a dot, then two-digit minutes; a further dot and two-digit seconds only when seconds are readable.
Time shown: 6.16
